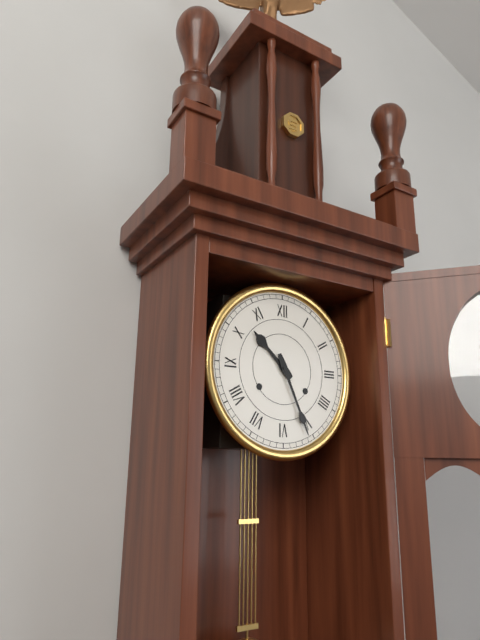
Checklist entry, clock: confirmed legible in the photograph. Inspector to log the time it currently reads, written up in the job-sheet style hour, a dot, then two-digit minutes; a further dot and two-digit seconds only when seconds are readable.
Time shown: 10.26
